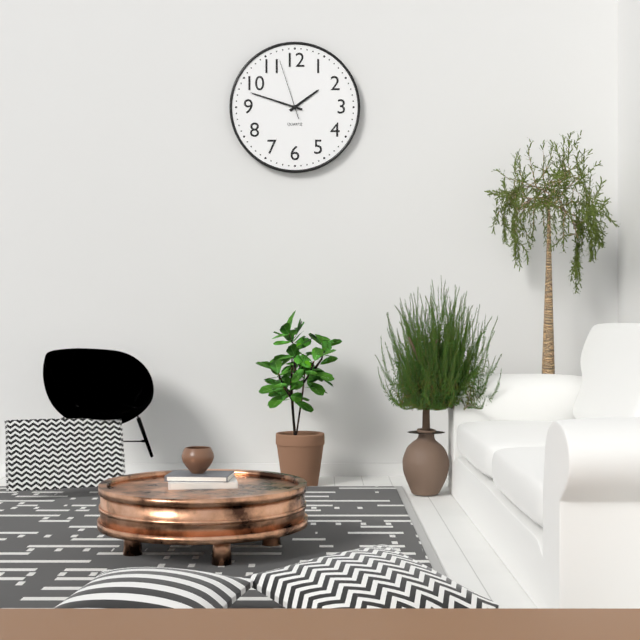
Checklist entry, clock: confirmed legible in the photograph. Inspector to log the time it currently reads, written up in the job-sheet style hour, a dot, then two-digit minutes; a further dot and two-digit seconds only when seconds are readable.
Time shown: 1.48.57
